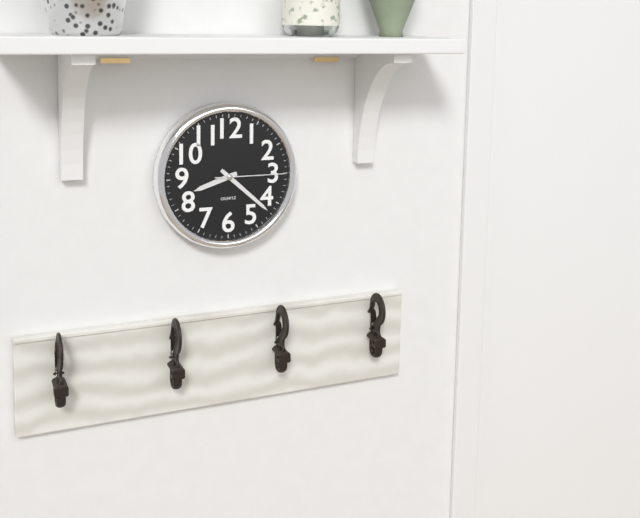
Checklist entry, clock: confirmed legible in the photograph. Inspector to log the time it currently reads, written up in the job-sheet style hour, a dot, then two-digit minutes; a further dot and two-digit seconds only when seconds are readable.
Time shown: 8.22.15
